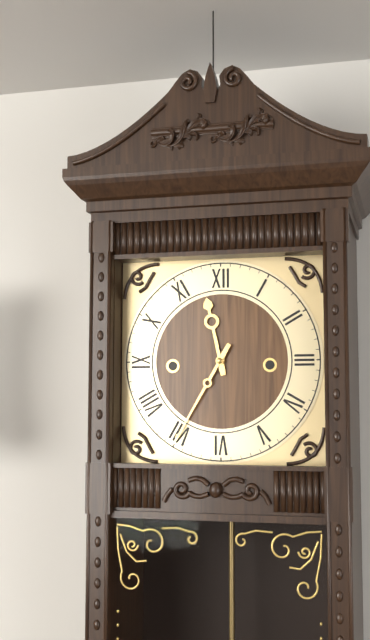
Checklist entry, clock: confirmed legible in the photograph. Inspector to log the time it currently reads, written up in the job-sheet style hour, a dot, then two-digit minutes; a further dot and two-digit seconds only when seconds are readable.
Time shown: 11.35
